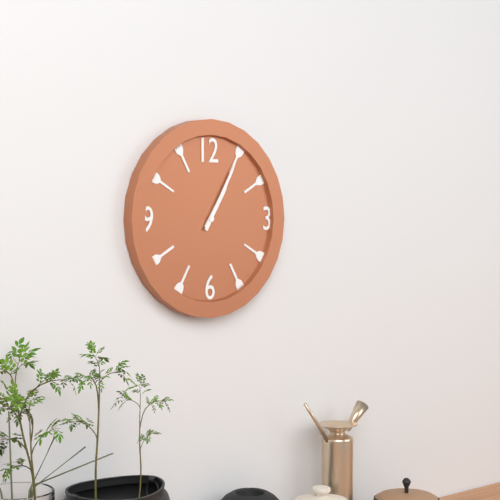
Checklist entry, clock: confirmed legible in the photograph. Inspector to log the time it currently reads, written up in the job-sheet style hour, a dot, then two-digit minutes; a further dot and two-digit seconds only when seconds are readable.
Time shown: 1.05
